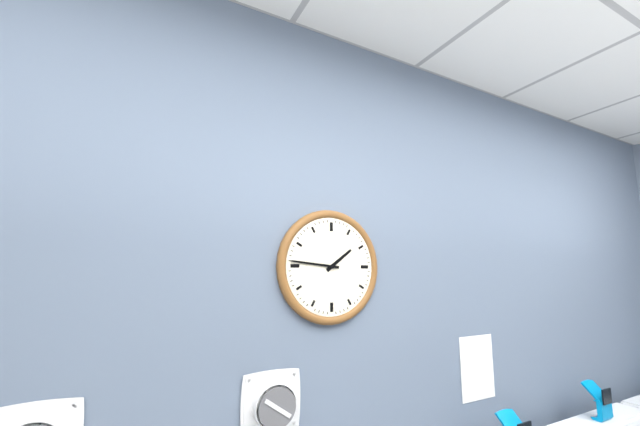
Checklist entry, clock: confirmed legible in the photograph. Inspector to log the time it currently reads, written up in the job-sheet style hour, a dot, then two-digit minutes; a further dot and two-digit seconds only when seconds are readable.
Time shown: 1.46
